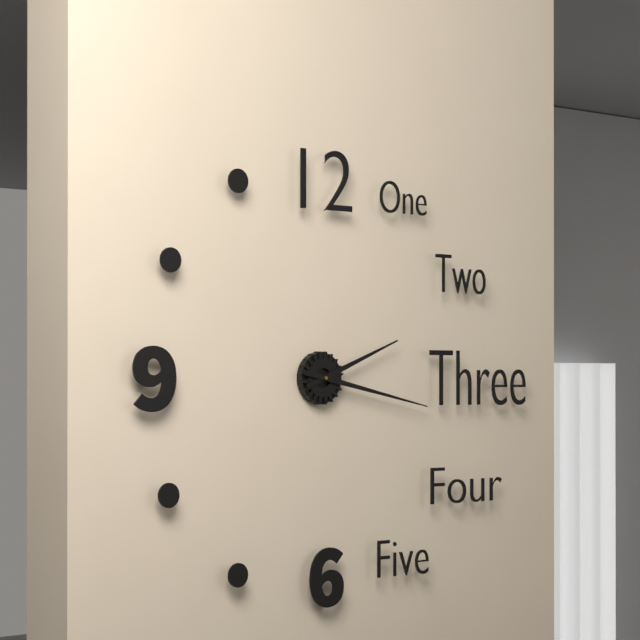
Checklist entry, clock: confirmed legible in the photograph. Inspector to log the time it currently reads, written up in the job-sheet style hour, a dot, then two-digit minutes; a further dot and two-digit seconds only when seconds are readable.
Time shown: 2.17
